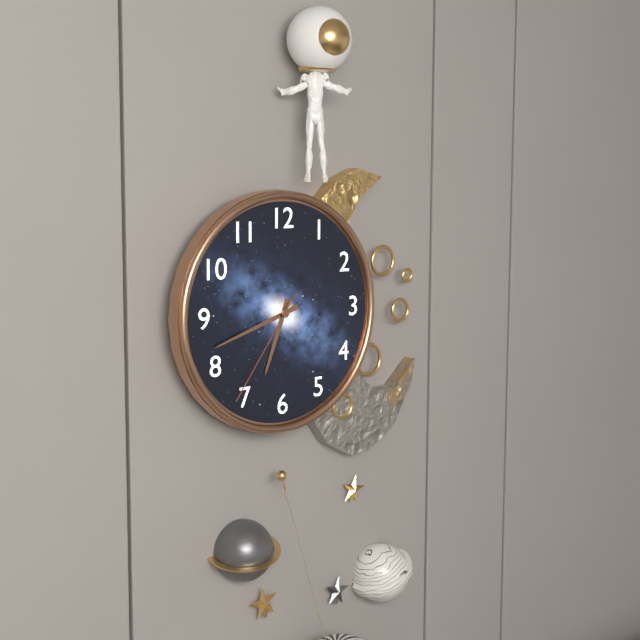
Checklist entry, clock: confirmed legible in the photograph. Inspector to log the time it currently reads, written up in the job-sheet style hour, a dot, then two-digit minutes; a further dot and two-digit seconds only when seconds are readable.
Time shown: 6.42.36
